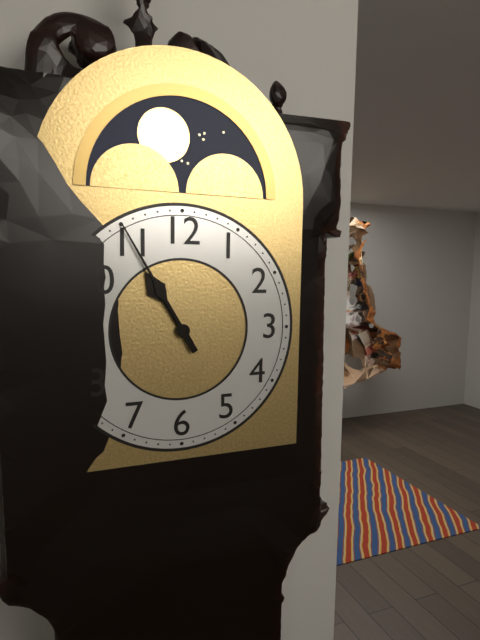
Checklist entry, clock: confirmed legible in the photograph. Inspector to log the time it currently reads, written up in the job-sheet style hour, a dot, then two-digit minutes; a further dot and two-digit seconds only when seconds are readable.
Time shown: 10.55
